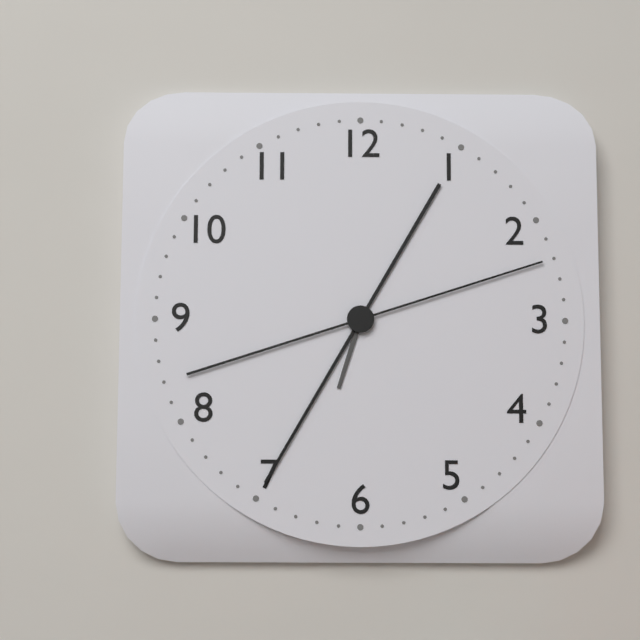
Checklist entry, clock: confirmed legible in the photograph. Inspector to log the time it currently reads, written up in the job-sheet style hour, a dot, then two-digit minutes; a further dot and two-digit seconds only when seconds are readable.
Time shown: 6.35.12
